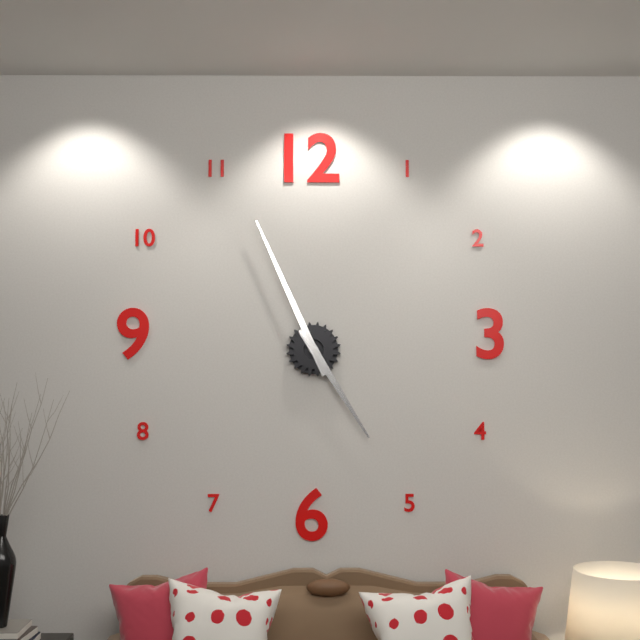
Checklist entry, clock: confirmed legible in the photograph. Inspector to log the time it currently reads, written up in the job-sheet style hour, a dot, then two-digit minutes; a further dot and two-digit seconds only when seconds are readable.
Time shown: 4.56
